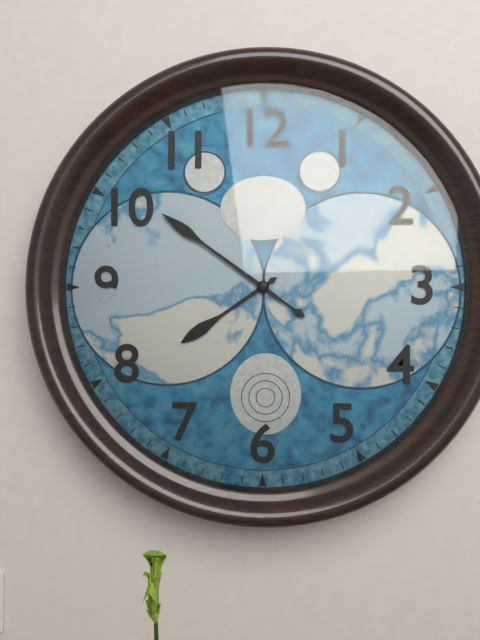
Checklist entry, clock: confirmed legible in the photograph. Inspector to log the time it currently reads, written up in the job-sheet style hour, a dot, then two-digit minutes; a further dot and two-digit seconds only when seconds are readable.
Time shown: 7.51
